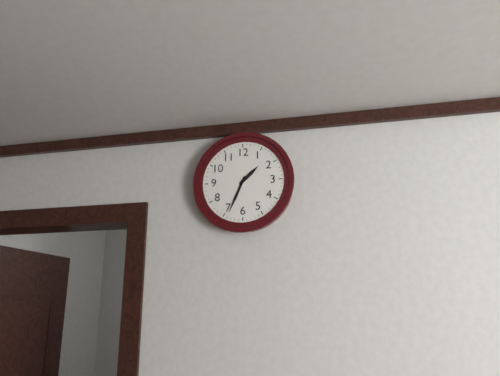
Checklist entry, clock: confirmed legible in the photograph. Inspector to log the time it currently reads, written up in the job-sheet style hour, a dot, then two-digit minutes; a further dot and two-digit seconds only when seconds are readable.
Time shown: 1.34
